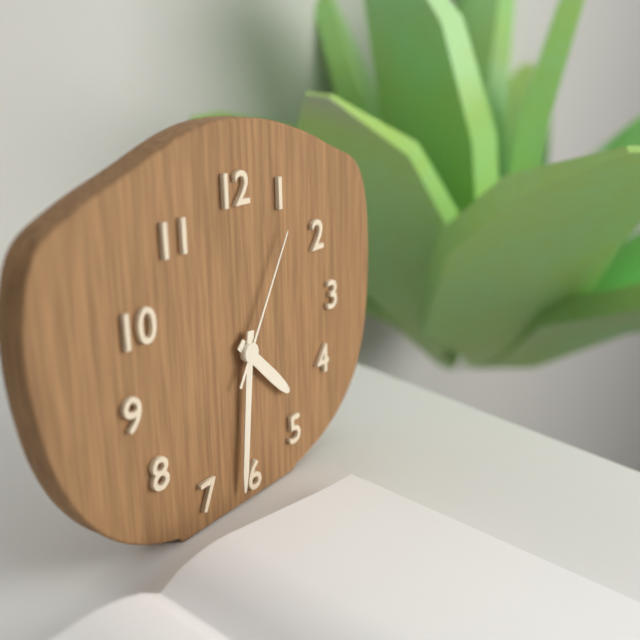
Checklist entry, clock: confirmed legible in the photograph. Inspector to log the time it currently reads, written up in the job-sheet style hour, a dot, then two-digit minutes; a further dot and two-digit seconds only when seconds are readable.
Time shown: 4.31.05
